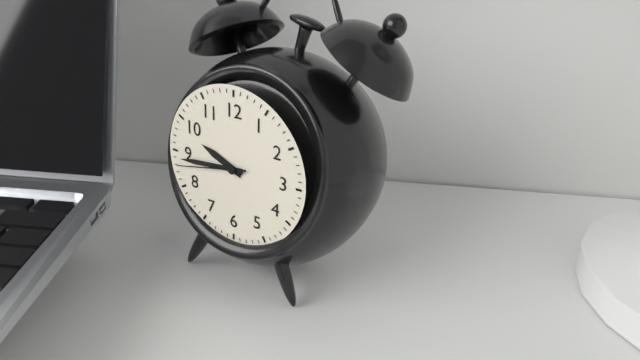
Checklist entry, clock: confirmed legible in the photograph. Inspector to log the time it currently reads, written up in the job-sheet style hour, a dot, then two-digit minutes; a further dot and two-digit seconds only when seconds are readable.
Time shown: 9.44.43
